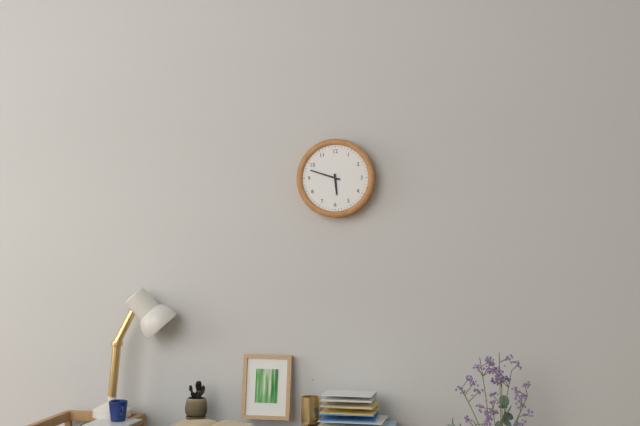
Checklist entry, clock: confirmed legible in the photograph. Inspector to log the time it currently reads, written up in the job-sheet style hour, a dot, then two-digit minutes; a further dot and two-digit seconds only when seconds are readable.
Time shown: 5.48
